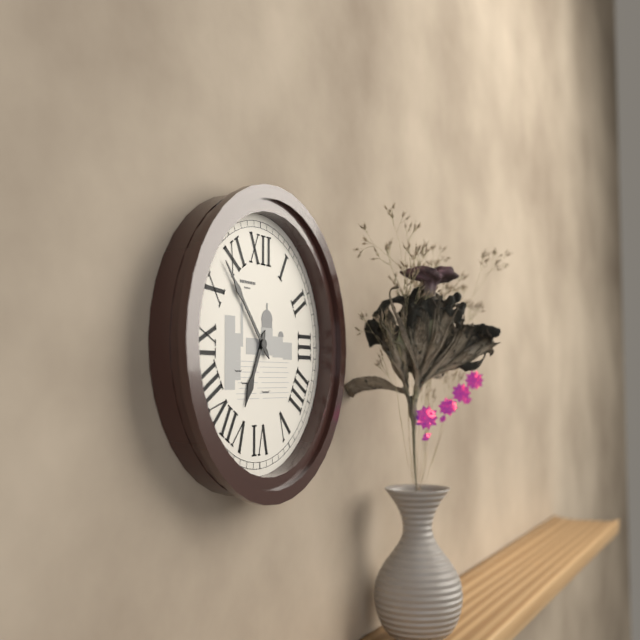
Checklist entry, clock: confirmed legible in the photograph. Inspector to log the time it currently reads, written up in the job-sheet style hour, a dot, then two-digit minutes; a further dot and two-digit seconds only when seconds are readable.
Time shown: 6.53
